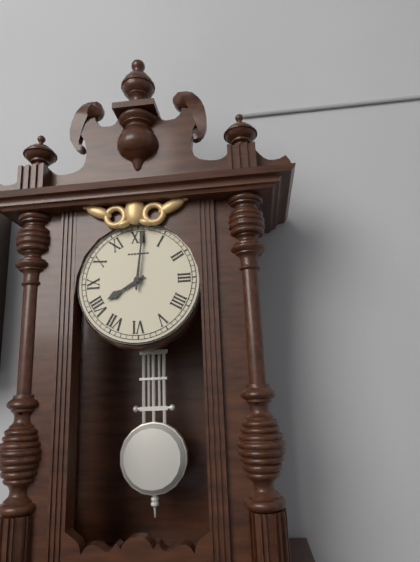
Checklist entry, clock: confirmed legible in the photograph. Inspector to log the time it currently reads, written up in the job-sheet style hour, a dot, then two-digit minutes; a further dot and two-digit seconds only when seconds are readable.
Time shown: 8.01
